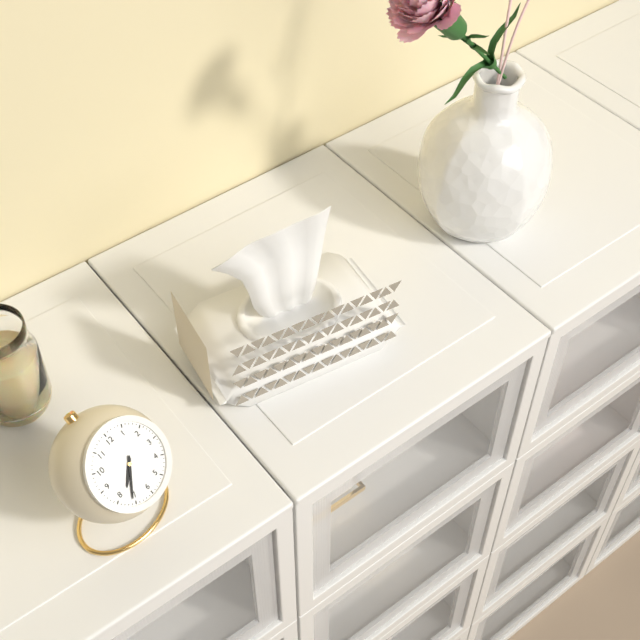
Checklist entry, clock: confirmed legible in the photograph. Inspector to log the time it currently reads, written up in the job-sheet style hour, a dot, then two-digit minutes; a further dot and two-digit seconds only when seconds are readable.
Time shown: 7.36
